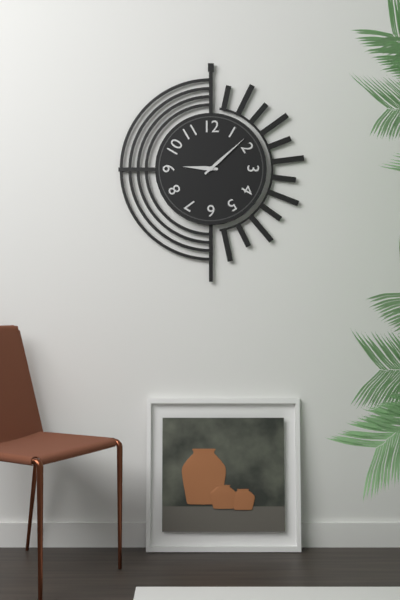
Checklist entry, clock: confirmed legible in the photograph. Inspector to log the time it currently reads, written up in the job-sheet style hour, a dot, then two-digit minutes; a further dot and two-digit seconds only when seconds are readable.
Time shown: 9.08
